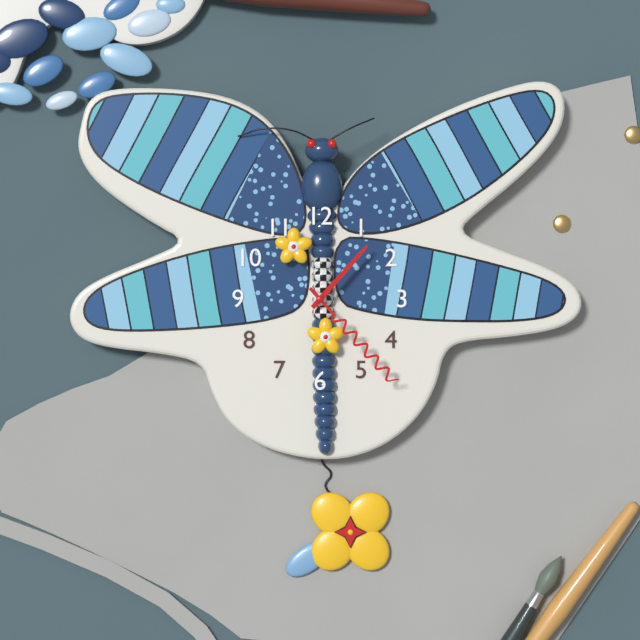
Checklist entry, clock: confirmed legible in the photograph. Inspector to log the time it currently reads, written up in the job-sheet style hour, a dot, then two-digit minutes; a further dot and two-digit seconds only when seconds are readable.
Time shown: 1.23
